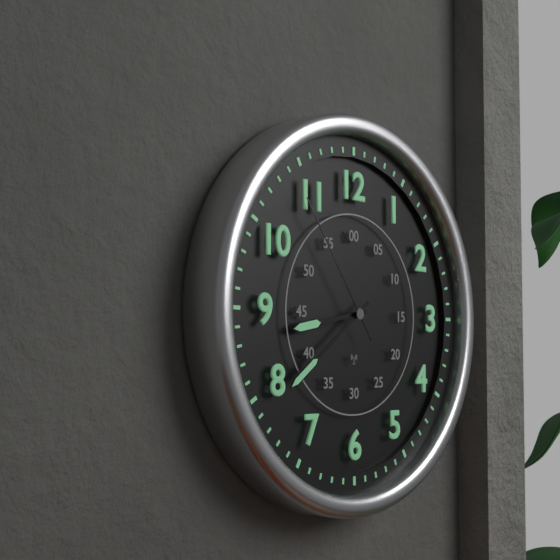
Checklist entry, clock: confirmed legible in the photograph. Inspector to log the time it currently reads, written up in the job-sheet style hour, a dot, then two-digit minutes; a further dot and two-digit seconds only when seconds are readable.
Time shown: 8.39.54
